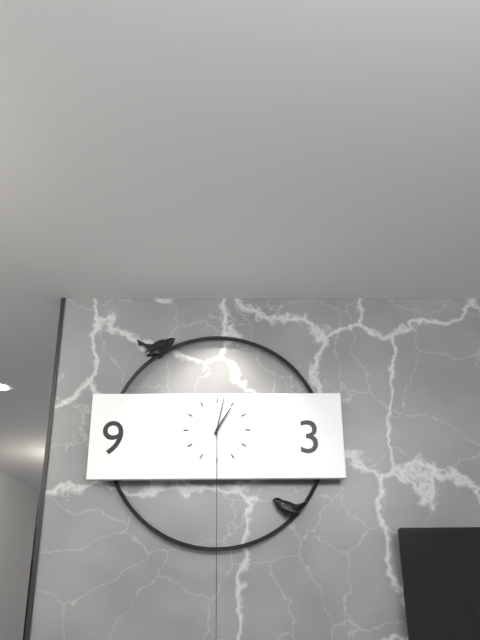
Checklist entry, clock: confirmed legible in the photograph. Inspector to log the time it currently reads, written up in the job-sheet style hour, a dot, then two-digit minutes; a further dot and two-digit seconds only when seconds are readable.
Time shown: 1.02
